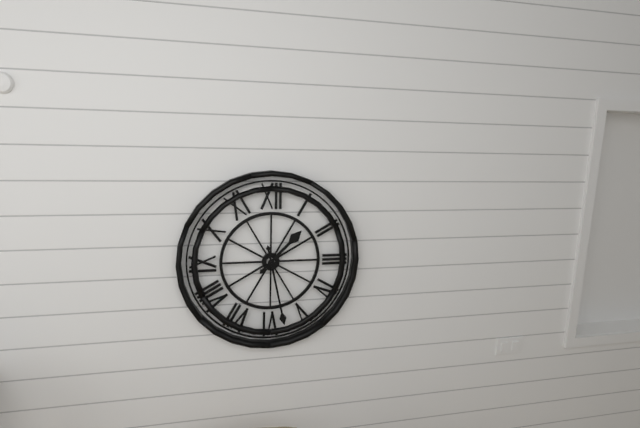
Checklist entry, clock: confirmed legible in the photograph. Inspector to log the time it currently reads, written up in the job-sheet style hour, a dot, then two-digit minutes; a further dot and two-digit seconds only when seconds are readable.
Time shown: 1.28
